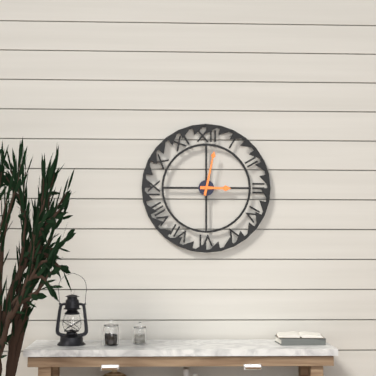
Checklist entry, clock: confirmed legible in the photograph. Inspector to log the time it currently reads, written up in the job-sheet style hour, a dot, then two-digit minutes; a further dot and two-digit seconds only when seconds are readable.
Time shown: 3.02
